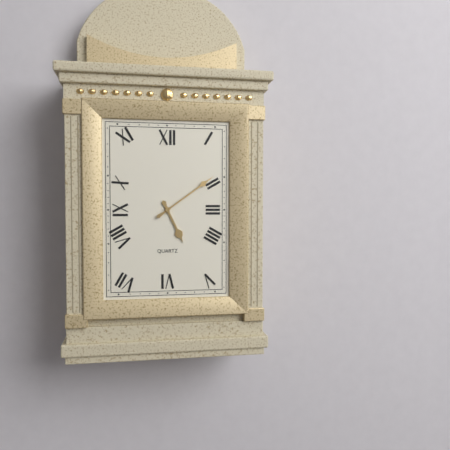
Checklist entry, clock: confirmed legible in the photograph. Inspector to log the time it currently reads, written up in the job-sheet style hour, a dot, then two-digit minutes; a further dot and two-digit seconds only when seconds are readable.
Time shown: 5.09
